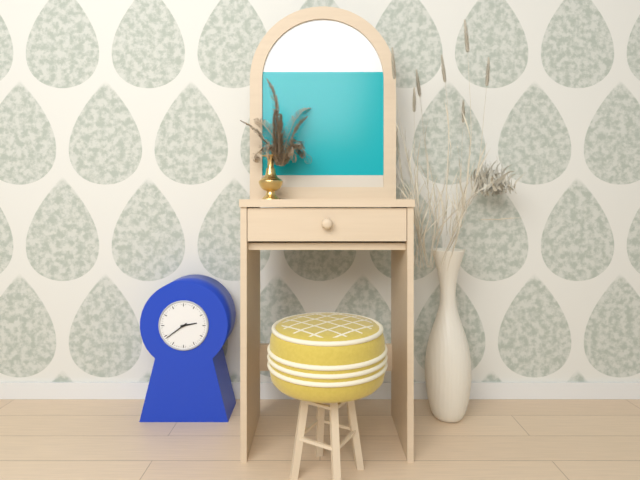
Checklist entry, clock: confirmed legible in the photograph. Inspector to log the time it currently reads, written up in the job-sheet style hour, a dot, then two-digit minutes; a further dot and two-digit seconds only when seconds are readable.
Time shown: 2.39
